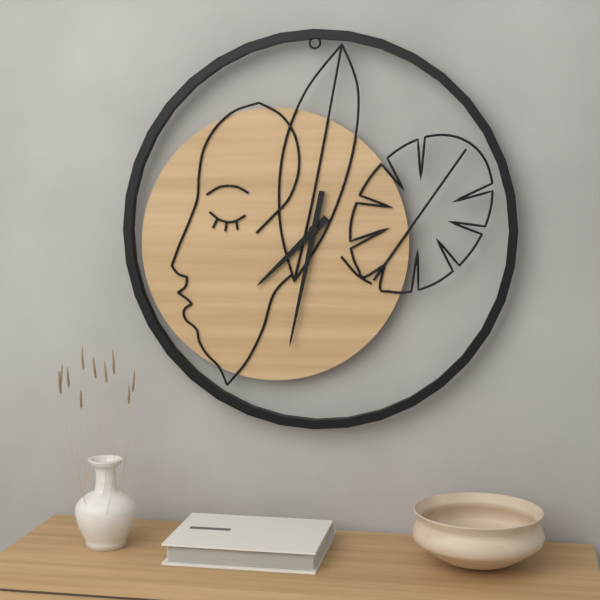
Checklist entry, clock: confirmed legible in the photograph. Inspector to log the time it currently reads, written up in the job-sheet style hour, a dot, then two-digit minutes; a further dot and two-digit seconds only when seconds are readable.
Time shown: 7.32
